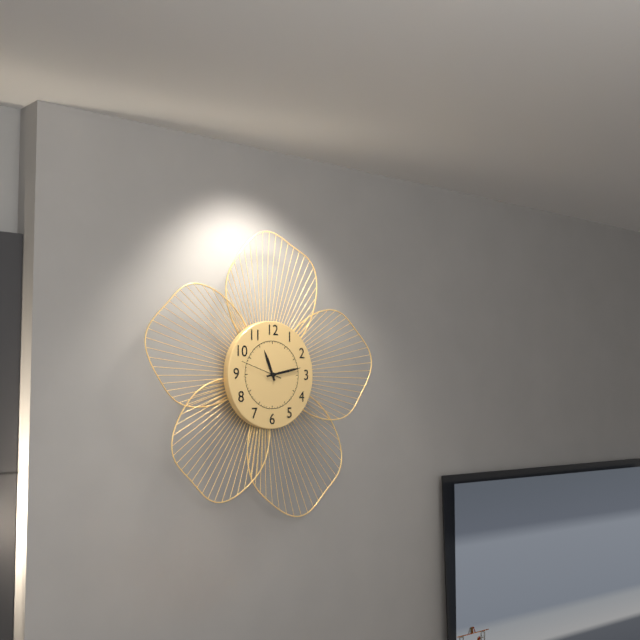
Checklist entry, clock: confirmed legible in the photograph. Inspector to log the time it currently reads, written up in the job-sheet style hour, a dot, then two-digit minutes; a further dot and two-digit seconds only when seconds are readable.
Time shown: 11.13
